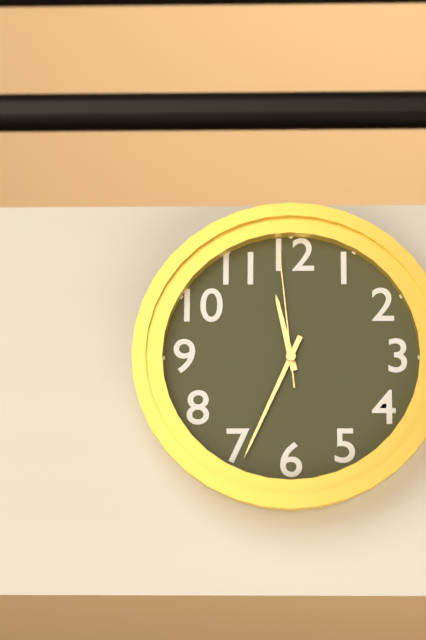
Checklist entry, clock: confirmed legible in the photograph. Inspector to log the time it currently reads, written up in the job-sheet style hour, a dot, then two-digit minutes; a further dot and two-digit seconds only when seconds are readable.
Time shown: 11.34.59
